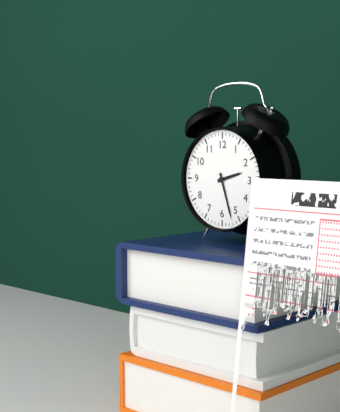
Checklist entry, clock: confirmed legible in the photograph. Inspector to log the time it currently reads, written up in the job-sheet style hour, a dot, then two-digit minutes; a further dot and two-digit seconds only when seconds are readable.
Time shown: 2.27
